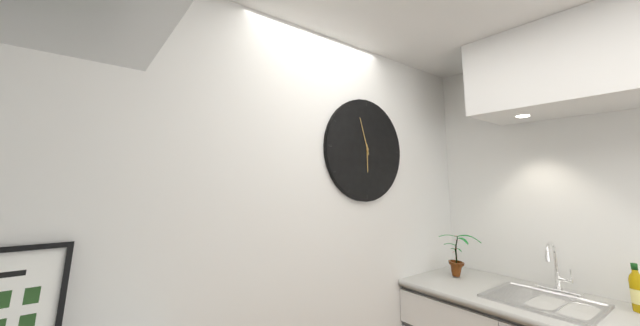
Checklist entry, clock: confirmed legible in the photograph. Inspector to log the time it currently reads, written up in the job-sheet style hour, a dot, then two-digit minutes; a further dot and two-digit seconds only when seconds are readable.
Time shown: 5.57
